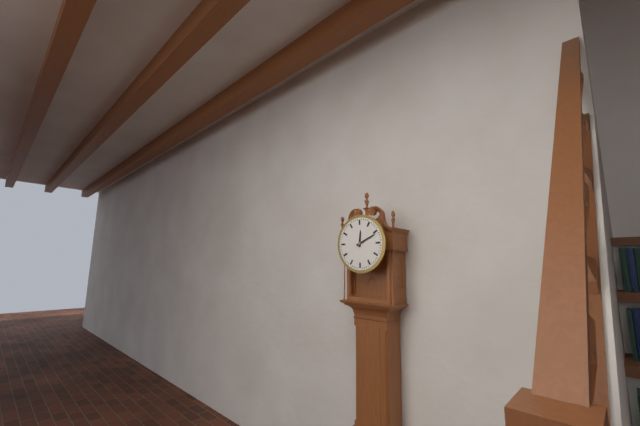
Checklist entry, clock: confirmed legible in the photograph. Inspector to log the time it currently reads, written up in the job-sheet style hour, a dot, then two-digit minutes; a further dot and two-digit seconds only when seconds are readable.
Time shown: 12.11
